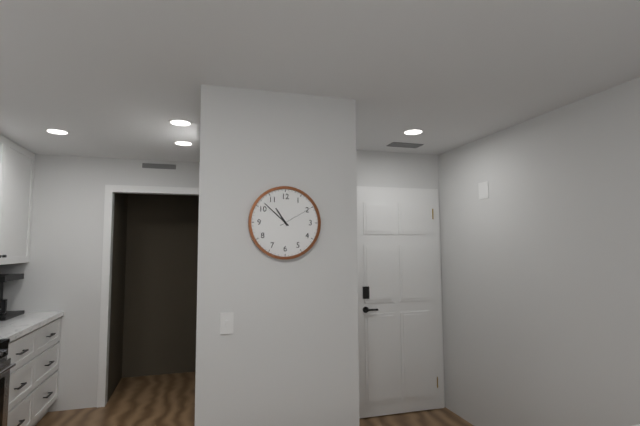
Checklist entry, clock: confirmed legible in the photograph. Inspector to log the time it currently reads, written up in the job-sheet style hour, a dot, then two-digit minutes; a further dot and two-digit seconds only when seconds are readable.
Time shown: 10.52
